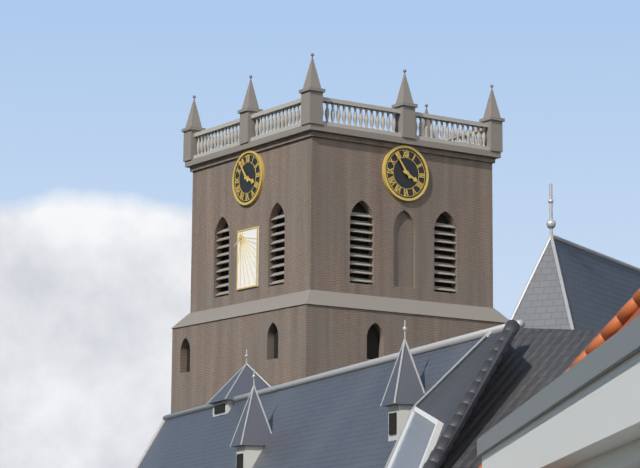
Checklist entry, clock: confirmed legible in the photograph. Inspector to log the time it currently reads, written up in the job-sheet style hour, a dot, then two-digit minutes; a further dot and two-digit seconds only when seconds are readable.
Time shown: 3.54
